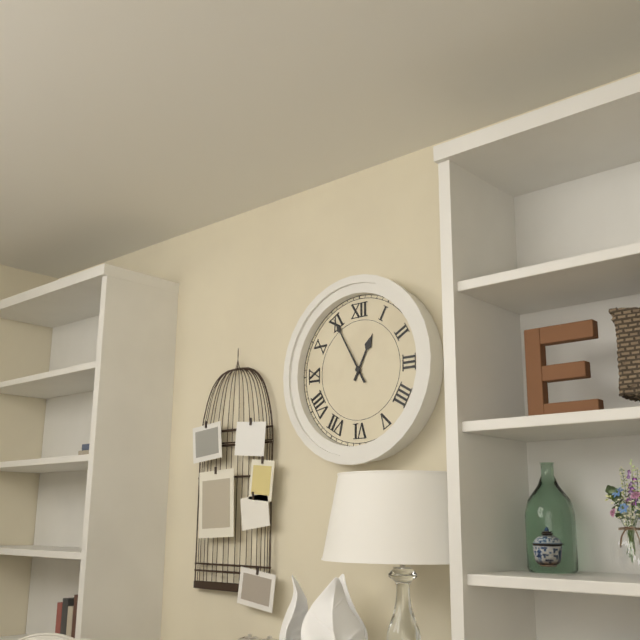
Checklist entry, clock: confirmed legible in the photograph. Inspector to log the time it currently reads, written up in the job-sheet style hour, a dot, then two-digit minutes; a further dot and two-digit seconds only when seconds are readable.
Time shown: 12.55
